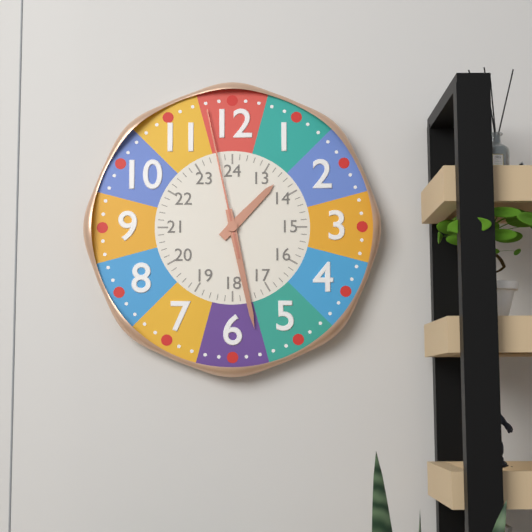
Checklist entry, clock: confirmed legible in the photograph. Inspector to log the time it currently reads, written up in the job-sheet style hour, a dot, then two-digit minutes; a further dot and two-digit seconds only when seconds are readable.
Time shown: 1.28.58
